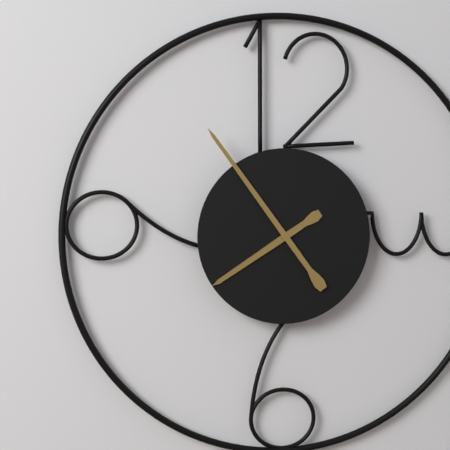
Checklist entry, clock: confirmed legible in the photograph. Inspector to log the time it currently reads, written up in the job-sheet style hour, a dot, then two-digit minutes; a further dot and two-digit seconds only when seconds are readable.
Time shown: 7.54
